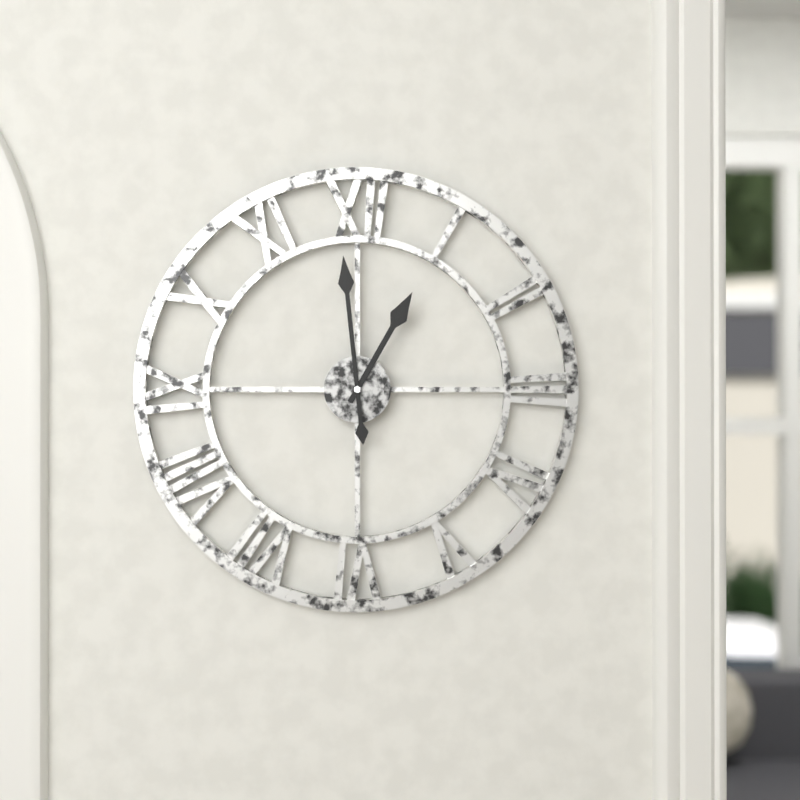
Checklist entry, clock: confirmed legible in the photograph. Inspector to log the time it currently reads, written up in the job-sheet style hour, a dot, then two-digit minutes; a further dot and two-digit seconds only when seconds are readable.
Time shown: 12.59
